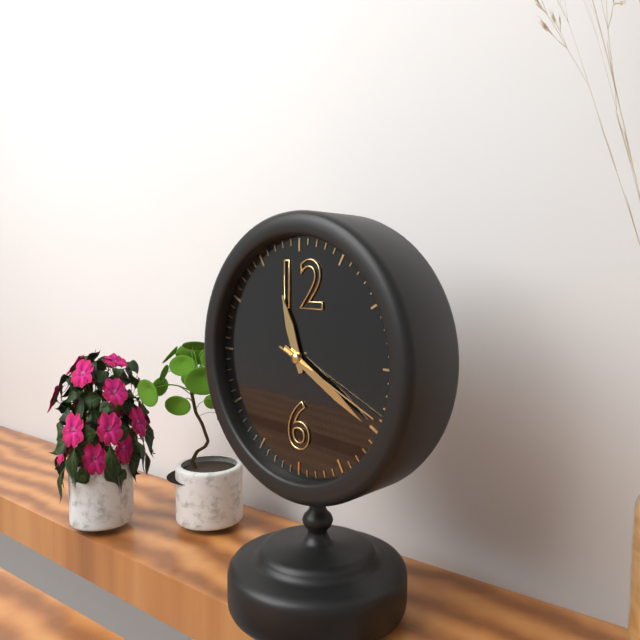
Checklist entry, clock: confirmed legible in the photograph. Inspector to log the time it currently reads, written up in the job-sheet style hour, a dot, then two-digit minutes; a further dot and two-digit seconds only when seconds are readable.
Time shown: 11.20.19
